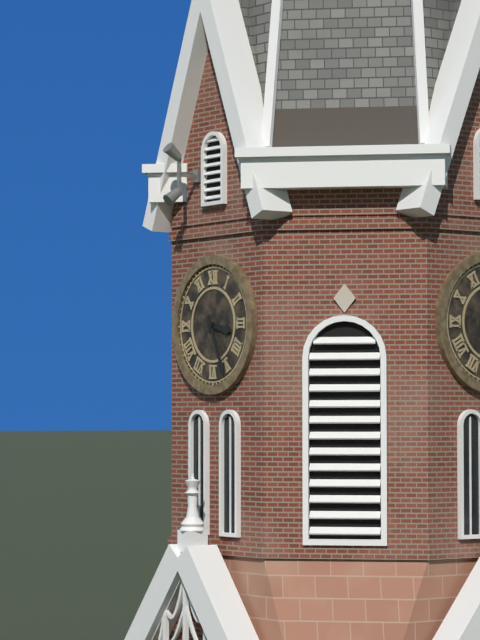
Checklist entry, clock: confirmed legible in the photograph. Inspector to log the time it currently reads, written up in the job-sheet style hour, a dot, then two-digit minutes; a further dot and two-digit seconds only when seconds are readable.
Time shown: 3.26
